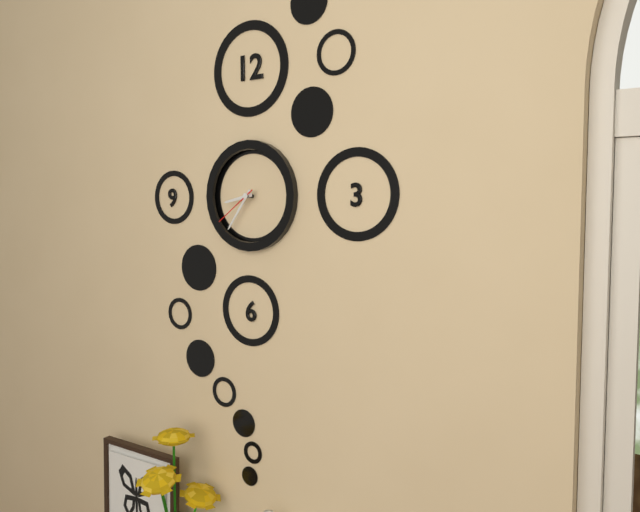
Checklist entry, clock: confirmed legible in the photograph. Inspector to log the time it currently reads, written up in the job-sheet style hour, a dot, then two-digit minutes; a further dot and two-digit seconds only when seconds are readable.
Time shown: 8.36
